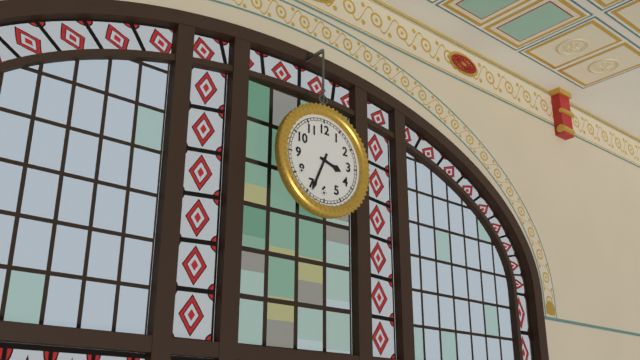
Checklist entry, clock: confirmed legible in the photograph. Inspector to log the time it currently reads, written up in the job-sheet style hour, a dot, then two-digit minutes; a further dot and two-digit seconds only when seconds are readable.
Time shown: 3.34
